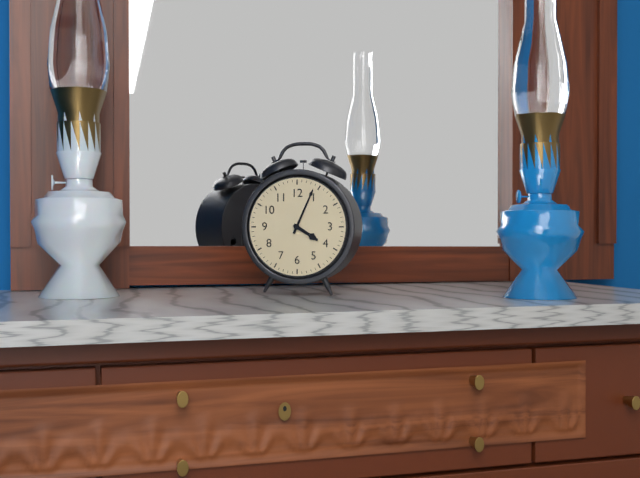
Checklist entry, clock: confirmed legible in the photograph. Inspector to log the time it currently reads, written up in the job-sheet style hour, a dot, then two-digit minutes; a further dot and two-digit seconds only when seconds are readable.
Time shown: 4.04
